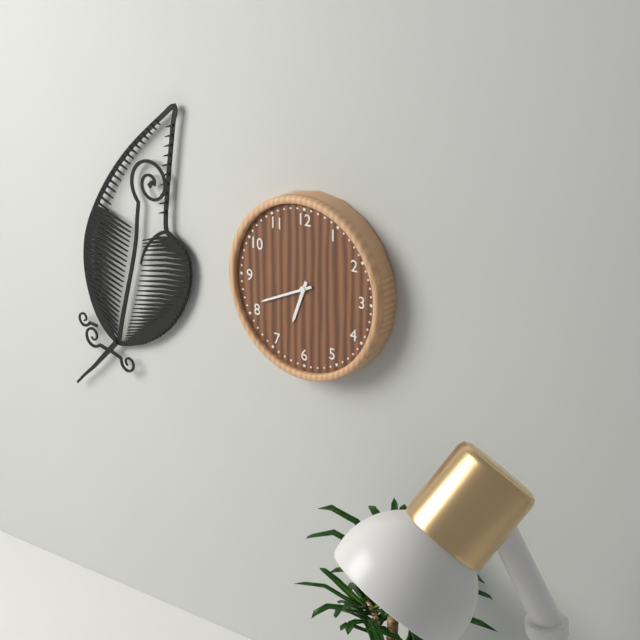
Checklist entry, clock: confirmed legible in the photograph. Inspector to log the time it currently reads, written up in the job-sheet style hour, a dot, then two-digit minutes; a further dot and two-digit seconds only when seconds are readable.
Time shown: 6.41
